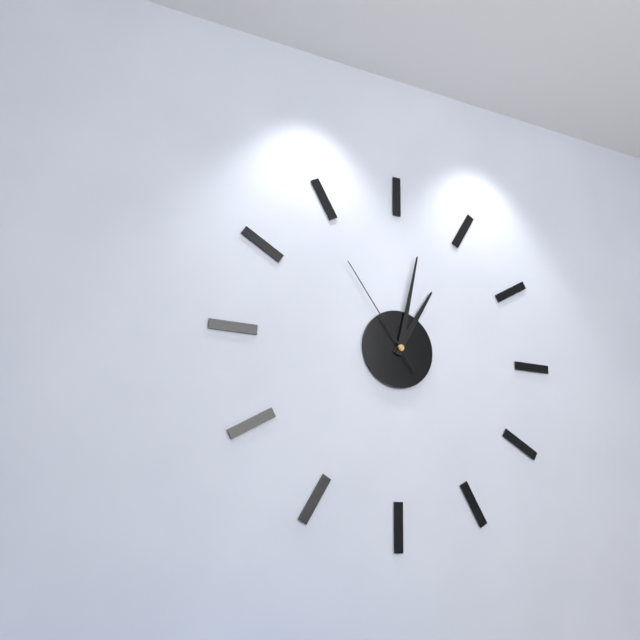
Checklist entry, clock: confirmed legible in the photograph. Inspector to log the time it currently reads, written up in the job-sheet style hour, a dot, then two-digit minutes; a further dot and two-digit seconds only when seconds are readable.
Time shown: 1.02.54
